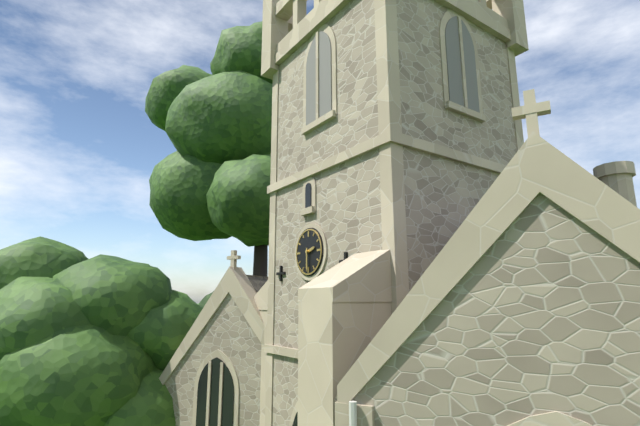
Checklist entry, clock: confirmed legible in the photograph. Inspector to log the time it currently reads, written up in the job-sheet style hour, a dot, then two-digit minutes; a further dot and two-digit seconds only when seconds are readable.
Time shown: 2.30
